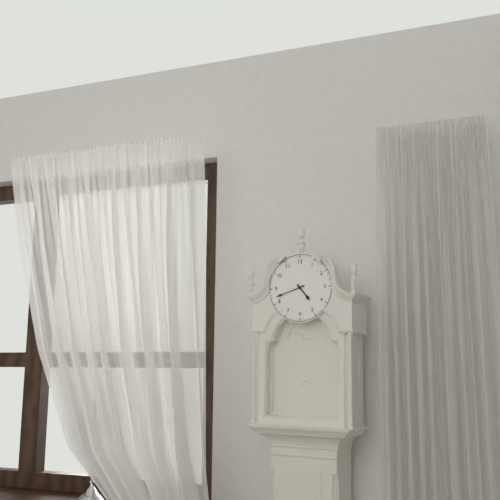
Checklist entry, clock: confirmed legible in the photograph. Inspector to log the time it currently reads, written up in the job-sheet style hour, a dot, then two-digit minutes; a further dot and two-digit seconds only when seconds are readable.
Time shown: 4.42
